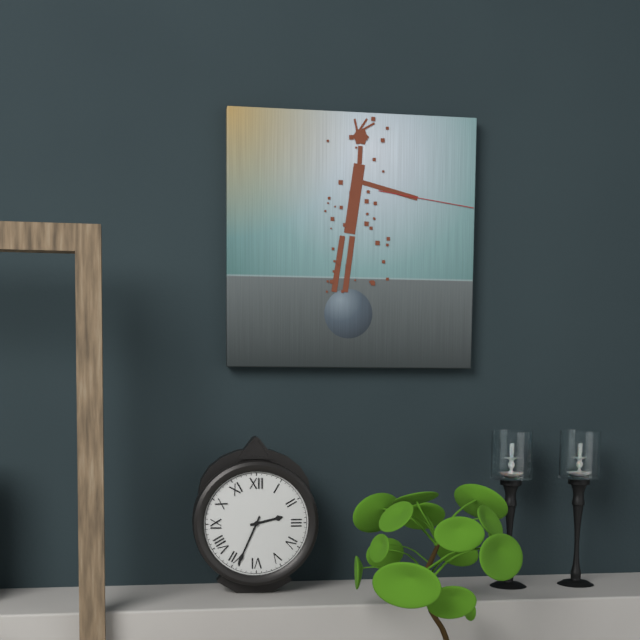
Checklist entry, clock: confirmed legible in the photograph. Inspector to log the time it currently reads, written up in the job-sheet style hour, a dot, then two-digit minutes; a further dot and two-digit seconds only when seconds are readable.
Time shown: 2.34
